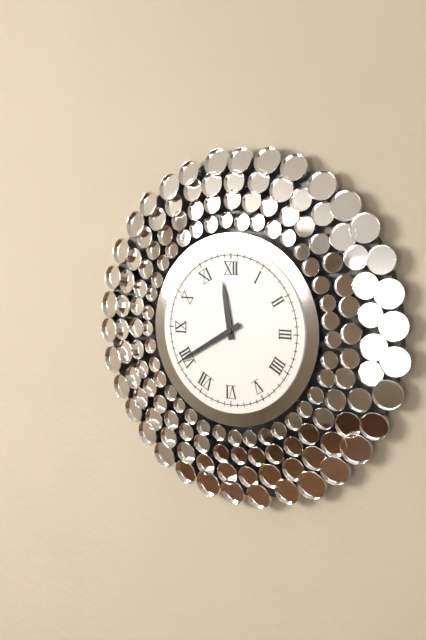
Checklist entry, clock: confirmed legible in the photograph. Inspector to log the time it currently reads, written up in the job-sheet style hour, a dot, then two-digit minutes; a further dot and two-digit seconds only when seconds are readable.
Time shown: 11.40
